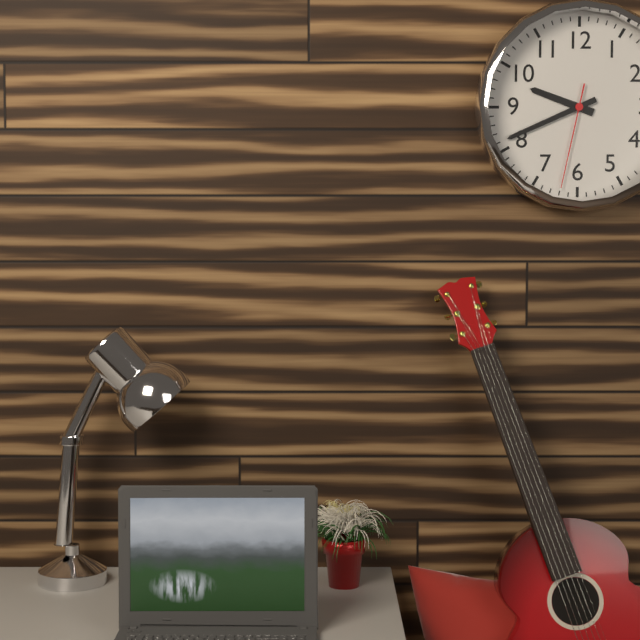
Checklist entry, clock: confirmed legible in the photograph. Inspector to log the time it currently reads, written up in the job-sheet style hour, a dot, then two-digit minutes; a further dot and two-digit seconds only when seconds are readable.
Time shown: 9.41.32
